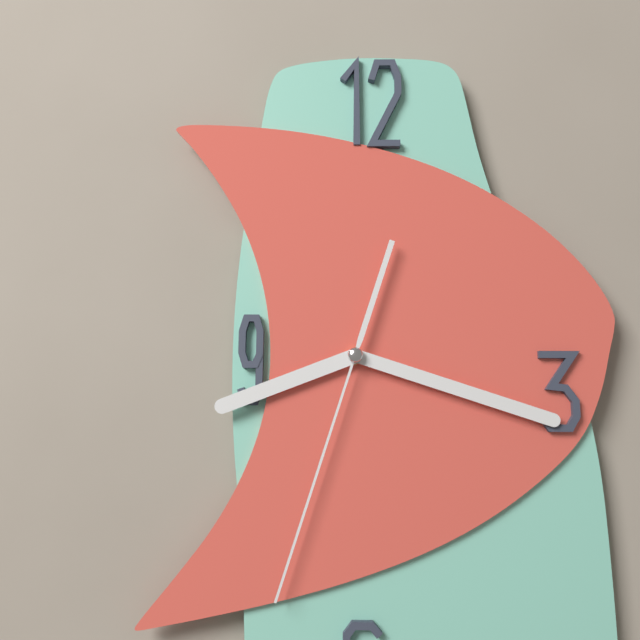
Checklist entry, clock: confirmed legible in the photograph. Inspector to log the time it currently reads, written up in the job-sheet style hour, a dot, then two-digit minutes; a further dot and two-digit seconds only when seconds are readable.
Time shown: 8.18.33
